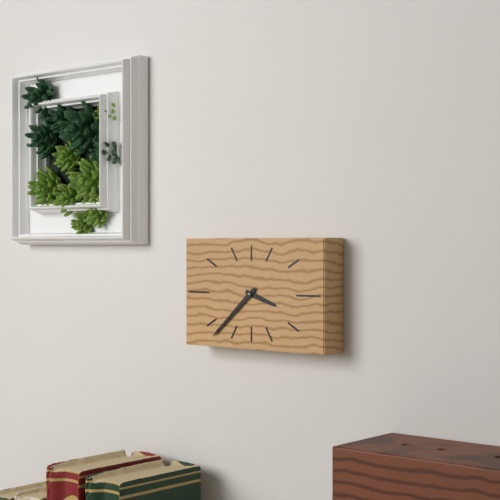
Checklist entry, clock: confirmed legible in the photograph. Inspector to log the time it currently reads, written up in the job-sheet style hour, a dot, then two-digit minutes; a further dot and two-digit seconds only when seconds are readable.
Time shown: 3.38
